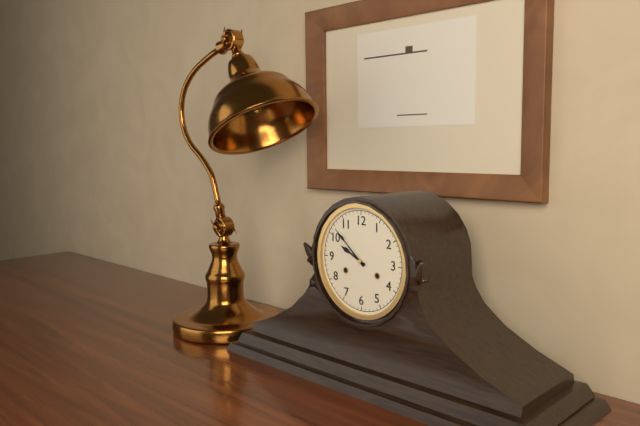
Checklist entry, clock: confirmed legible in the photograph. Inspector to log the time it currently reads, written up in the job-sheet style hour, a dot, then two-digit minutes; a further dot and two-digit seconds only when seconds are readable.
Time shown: 9.52
